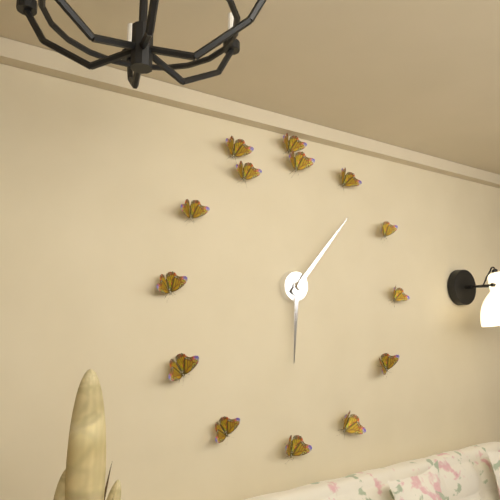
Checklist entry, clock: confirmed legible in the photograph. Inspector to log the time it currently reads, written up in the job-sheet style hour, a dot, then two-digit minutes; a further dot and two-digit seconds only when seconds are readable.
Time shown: 6.07
